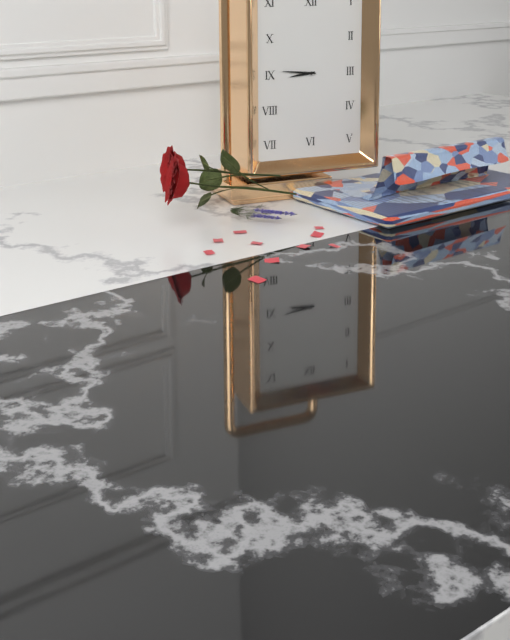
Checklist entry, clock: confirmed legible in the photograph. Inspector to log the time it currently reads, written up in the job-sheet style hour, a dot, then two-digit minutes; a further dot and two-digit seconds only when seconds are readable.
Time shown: 8.46
